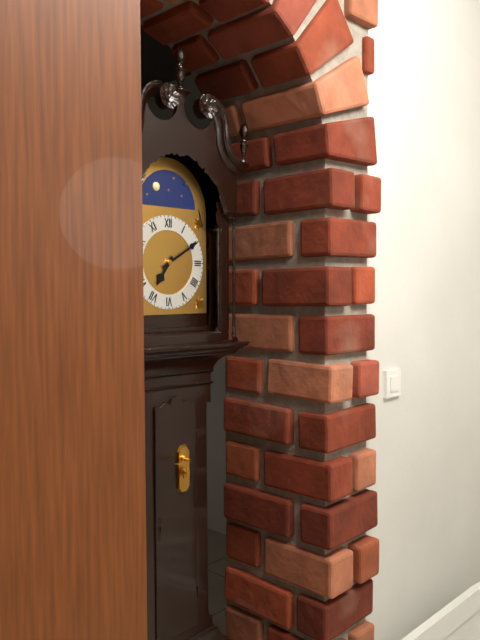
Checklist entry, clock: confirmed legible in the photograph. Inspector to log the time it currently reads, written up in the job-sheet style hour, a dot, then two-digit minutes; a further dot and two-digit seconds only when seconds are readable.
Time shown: 7.10
